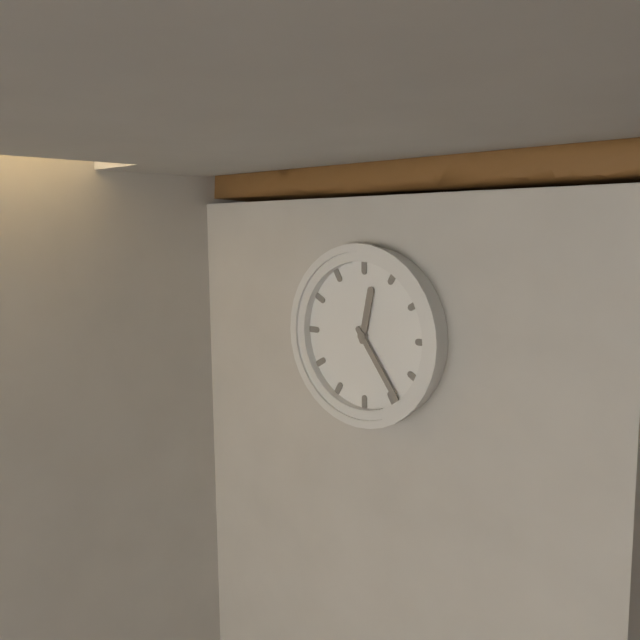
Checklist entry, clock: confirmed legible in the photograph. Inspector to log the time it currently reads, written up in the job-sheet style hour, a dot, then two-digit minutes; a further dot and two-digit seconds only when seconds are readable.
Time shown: 12.24
